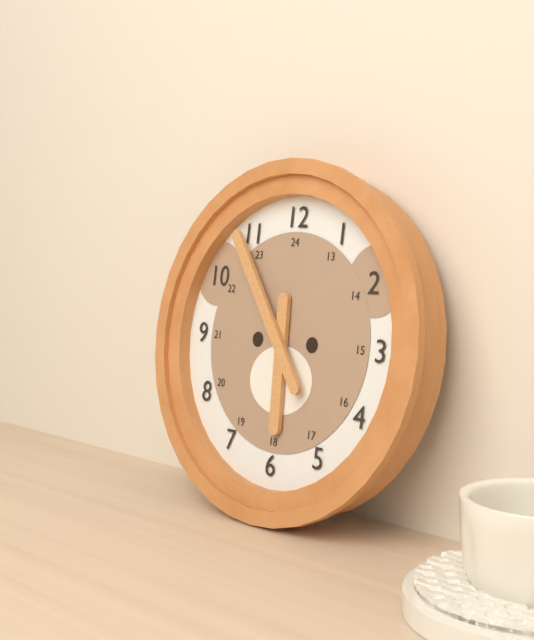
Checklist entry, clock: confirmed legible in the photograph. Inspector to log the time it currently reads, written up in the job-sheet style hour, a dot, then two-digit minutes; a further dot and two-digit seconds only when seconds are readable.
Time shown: 5.54
